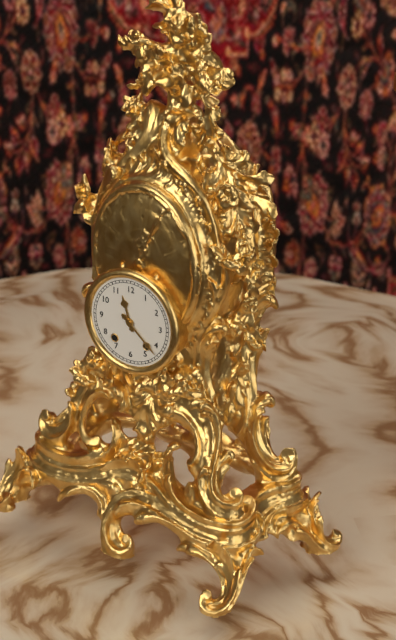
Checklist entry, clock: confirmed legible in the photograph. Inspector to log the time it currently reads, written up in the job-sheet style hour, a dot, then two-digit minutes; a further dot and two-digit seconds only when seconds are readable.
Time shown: 11.22
